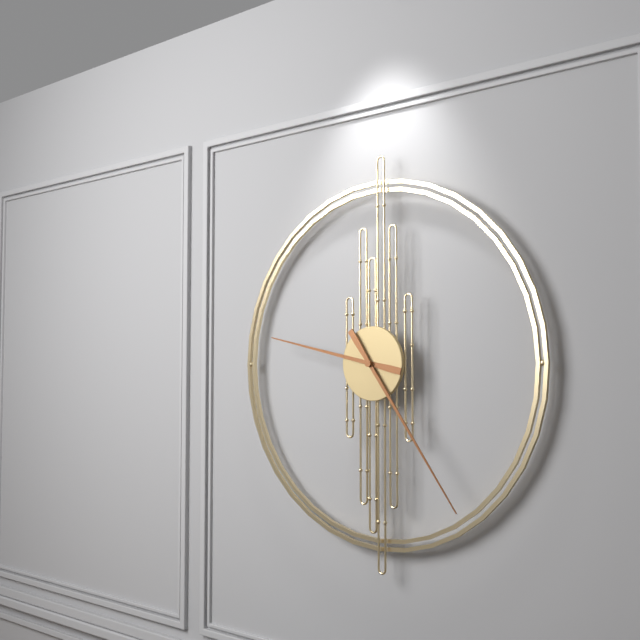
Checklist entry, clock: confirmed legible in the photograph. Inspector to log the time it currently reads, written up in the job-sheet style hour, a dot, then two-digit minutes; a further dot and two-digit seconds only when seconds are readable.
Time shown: 9.24
